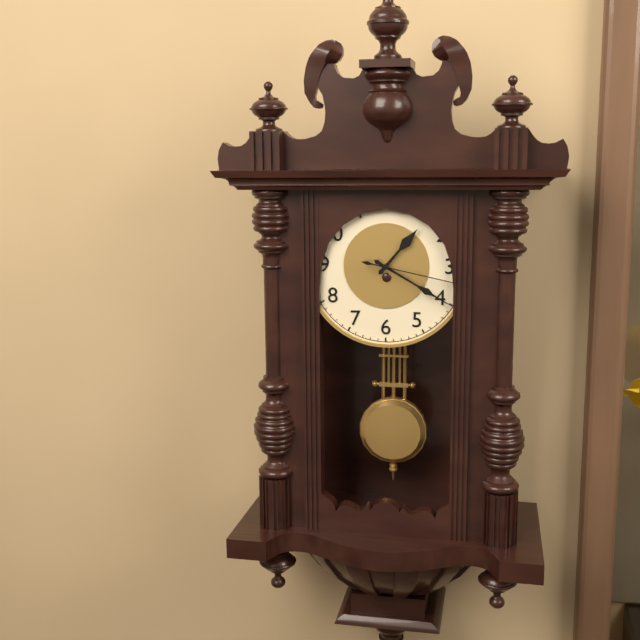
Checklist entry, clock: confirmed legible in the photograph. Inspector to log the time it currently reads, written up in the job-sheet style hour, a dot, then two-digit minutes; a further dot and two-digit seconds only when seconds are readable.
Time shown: 1.20.17
